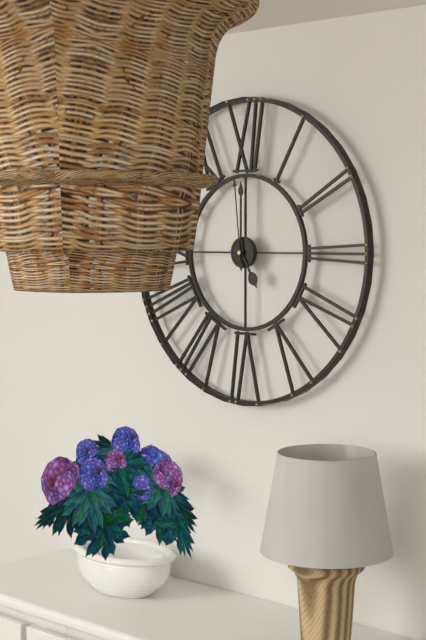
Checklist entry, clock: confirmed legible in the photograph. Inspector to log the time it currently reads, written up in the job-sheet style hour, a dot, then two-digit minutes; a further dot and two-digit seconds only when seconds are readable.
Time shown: 5.00.59
